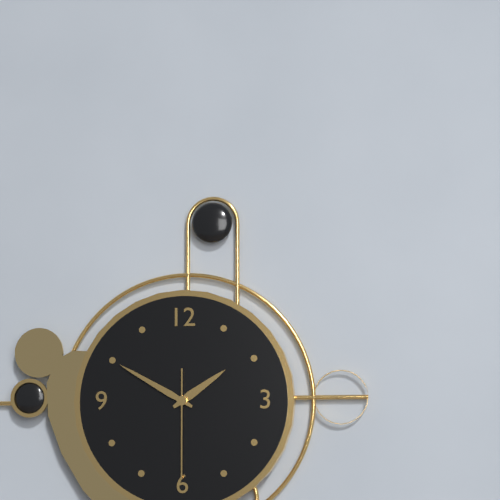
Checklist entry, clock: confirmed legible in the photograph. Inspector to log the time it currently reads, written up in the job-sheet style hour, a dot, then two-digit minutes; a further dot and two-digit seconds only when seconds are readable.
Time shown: 1.50.30
